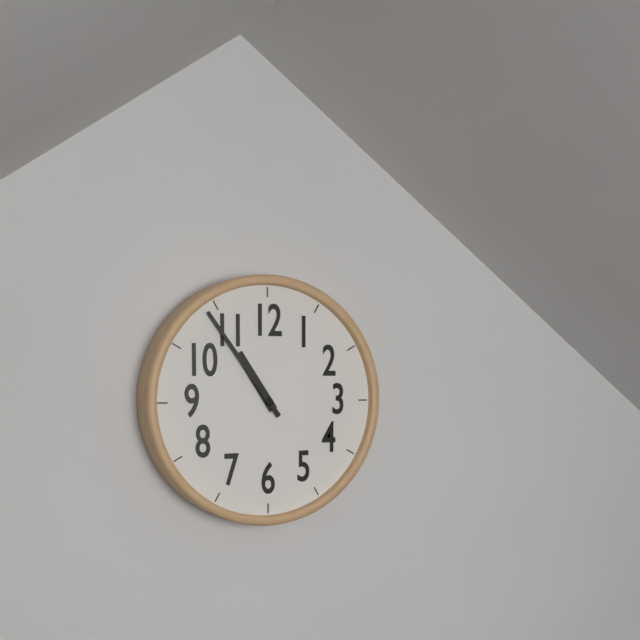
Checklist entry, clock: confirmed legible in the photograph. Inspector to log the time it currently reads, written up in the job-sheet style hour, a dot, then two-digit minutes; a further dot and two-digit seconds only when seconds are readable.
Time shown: 10.54
